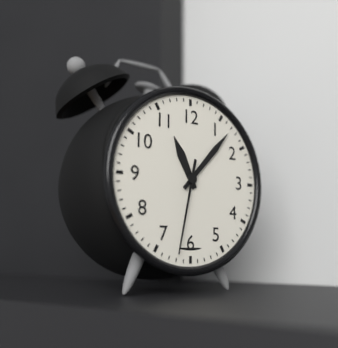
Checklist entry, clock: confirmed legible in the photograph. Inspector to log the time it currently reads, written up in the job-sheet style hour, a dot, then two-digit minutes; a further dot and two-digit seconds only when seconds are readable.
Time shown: 11.07.32
